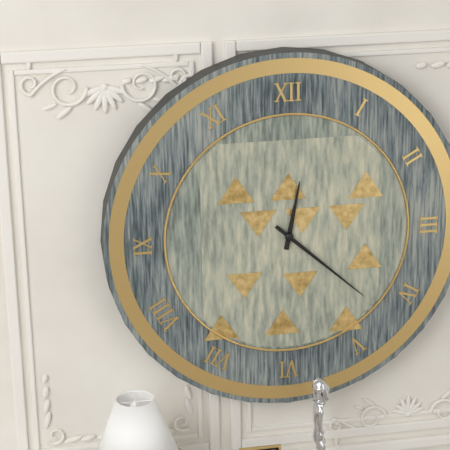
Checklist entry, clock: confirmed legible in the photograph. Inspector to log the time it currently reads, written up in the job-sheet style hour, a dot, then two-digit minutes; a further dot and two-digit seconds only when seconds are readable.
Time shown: 12.22
